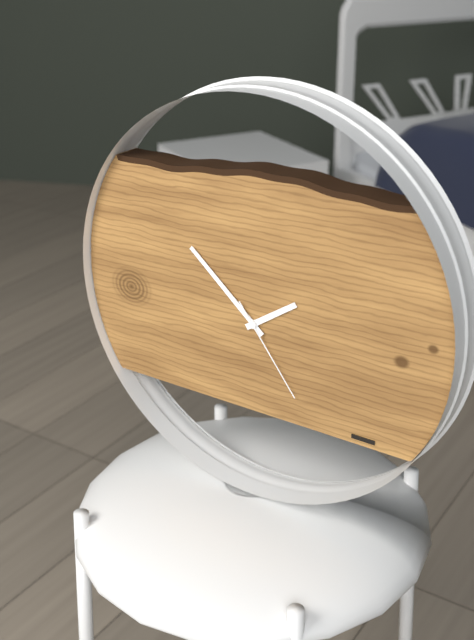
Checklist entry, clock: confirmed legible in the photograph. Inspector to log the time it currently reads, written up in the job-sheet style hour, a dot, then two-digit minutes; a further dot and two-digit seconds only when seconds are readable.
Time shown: 1.52.24
